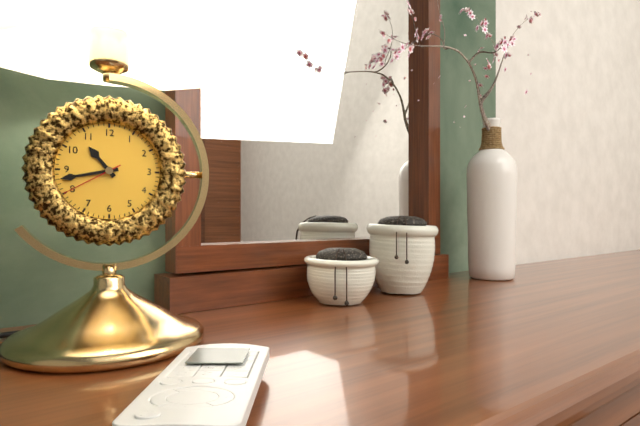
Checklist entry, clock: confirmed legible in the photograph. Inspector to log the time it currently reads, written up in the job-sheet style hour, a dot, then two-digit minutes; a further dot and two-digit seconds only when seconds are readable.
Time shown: 10.43.40
